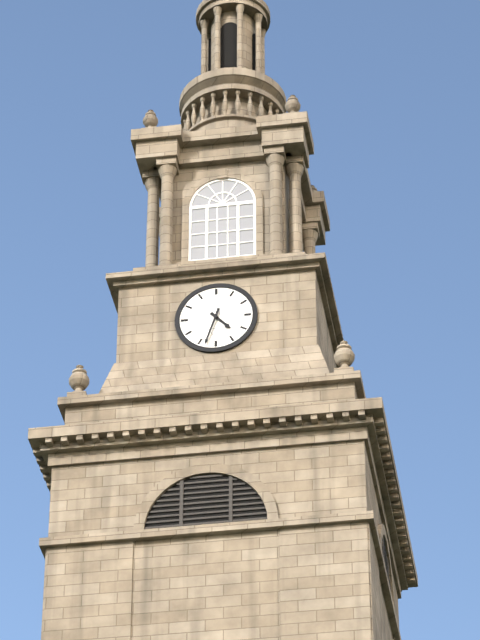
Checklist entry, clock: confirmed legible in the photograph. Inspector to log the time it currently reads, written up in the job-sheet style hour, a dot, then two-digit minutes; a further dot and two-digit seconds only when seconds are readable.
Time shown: 4.33
